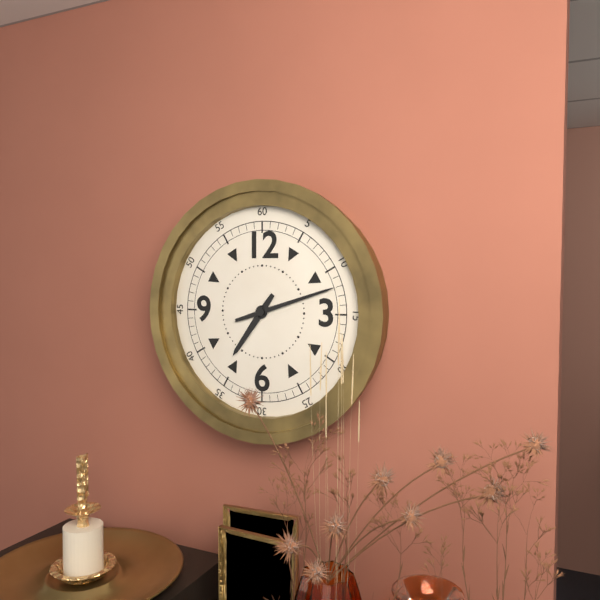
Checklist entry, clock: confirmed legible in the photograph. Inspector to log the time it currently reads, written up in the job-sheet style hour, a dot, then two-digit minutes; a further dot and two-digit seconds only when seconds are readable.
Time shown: 7.12
